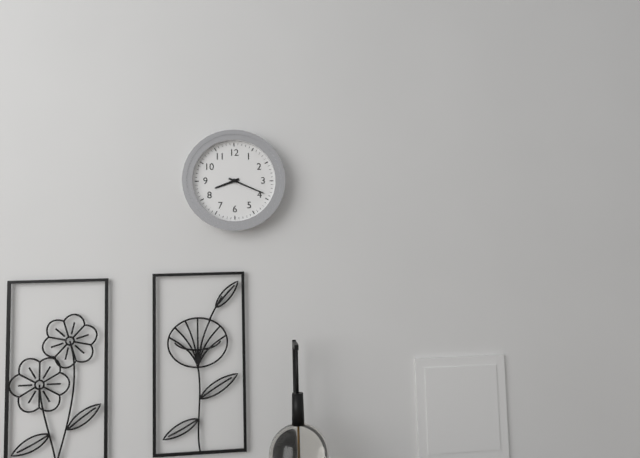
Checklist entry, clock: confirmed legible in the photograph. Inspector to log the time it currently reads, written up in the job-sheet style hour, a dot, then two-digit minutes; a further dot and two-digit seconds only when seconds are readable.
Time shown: 8.19
